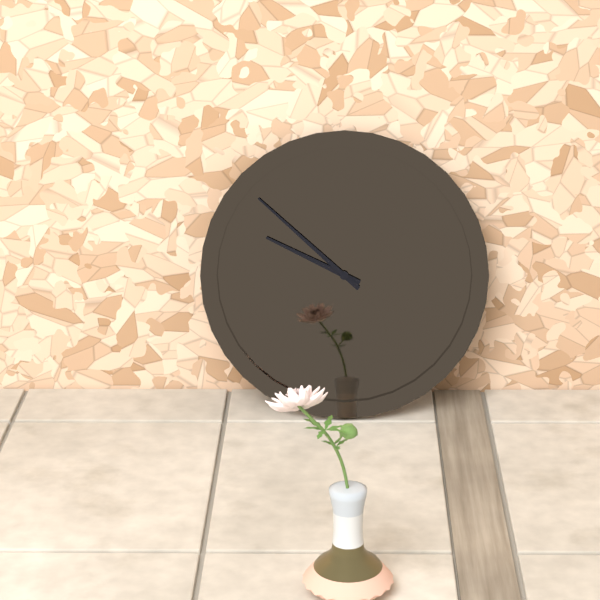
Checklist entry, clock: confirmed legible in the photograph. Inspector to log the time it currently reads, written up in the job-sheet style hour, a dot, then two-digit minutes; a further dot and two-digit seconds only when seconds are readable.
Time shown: 9.52
